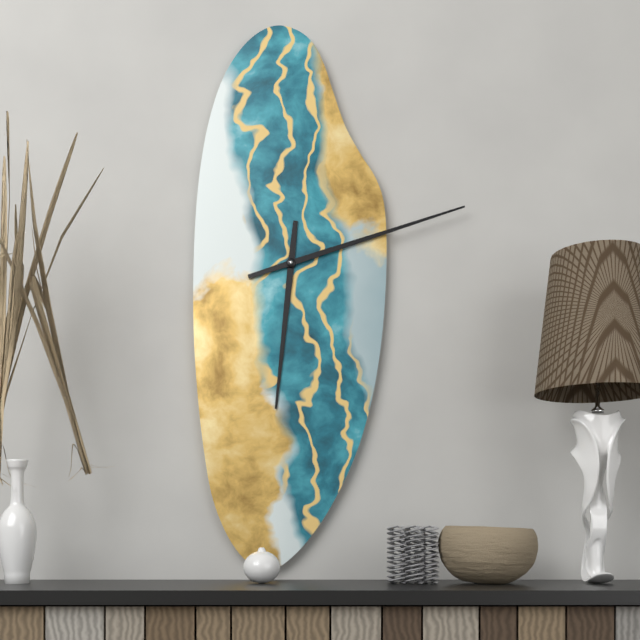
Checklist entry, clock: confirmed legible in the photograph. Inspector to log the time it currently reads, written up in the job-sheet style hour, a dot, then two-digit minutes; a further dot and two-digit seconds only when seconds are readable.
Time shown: 6.12
